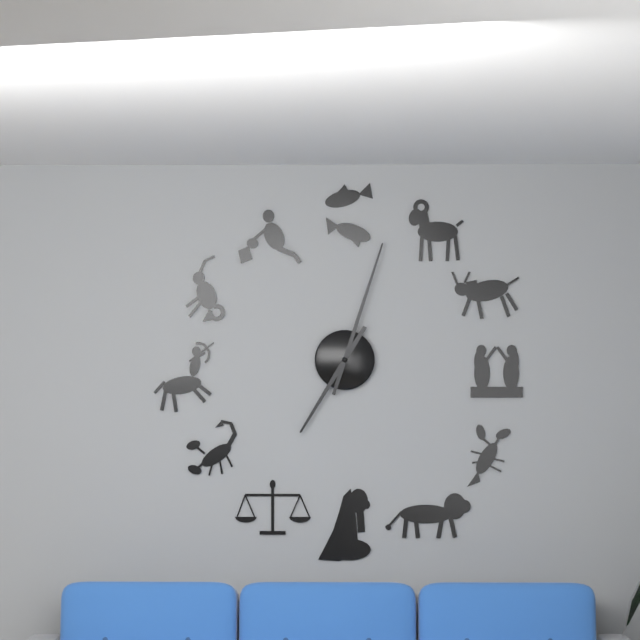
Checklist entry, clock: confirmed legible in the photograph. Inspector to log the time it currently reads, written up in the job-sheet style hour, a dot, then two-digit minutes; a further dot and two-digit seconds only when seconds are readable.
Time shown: 7.03
